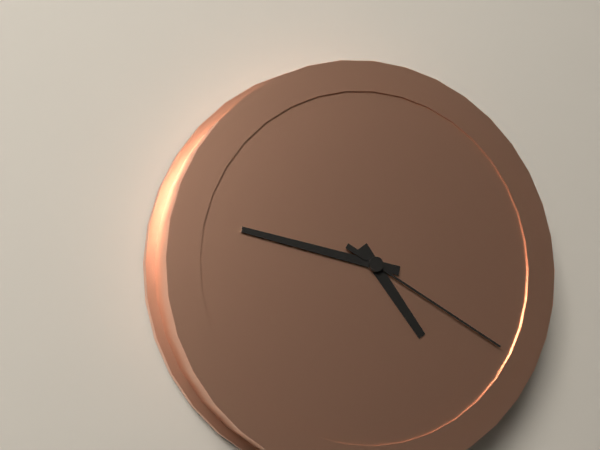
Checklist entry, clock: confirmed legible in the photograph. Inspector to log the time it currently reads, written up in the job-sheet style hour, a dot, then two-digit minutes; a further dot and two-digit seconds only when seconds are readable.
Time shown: 4.47.20
